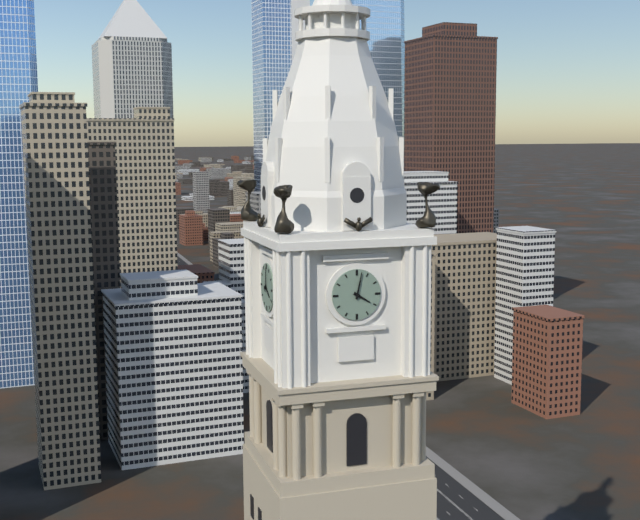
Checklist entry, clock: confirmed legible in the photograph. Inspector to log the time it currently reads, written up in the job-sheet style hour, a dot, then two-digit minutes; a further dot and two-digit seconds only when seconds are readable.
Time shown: 4.02
